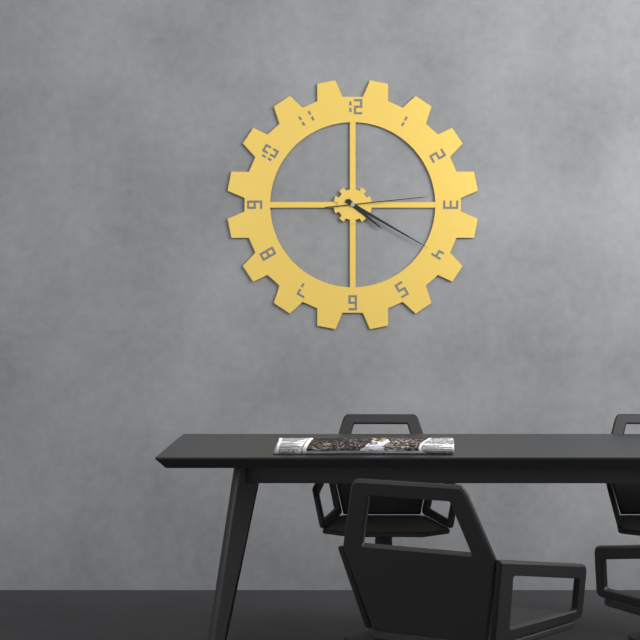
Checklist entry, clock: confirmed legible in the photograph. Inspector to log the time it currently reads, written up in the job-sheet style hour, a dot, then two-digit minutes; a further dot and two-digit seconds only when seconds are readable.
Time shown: 4.20.14
